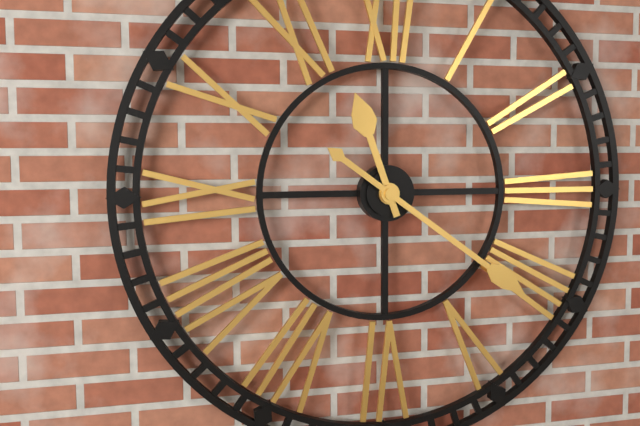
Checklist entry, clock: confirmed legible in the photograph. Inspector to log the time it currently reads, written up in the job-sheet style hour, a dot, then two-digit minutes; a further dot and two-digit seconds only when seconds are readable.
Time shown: 11.21
